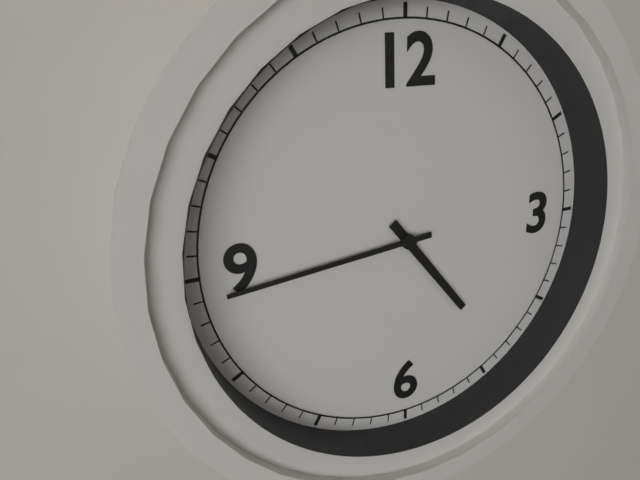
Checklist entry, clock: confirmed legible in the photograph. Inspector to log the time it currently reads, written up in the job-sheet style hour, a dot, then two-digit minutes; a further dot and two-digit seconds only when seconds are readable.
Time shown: 4.44
